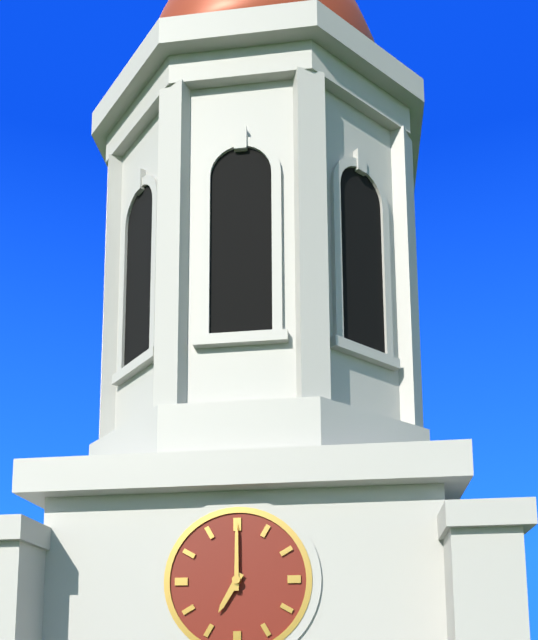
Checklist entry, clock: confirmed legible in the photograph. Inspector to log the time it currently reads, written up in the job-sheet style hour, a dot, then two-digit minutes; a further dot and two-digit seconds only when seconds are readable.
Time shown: 7.00
